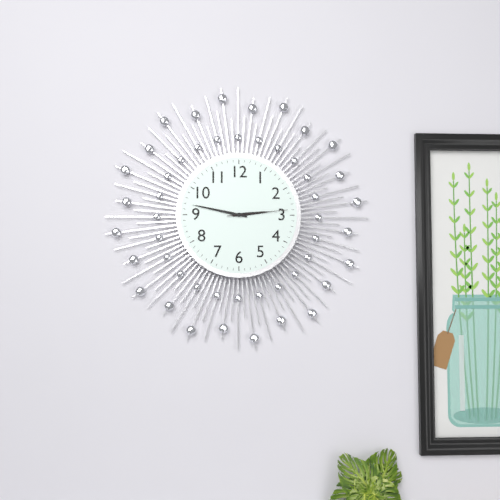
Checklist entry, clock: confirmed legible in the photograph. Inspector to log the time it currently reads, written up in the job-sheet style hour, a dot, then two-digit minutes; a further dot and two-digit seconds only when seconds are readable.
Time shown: 2.47.14
